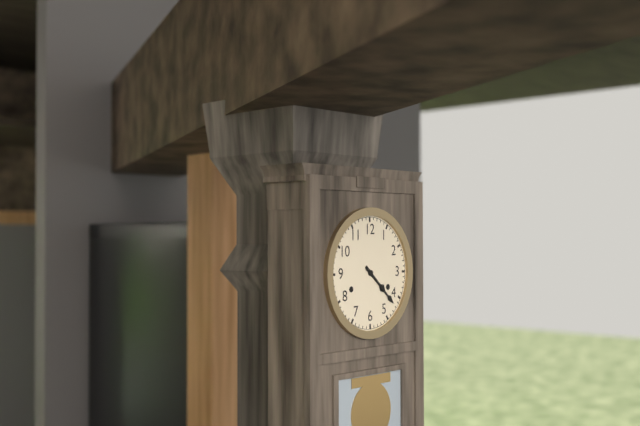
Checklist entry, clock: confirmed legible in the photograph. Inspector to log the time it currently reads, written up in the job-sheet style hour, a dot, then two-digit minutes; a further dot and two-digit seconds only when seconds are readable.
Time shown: 4.22
